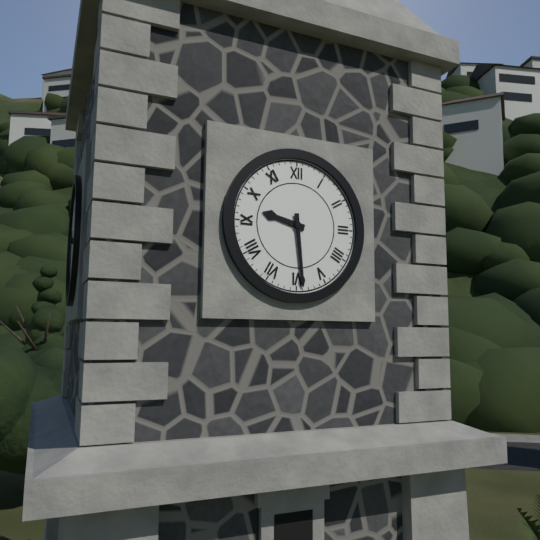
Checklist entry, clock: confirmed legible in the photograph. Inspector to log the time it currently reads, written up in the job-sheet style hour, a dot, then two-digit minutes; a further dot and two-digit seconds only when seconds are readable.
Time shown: 9.29
